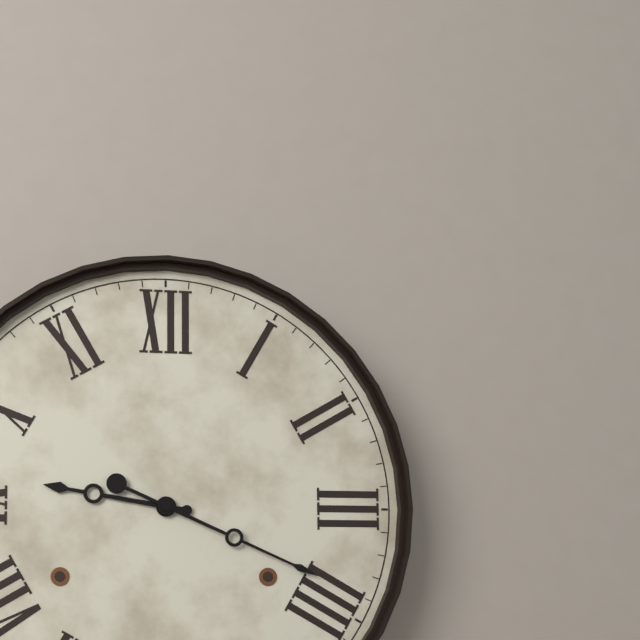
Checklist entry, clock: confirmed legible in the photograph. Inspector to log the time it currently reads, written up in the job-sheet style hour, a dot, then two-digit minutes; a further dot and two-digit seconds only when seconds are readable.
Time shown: 9.19
